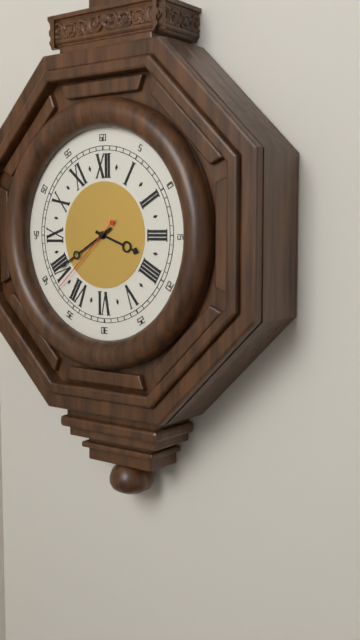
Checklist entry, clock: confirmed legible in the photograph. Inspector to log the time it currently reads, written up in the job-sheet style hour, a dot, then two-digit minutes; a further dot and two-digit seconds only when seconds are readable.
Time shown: 3.40.38
